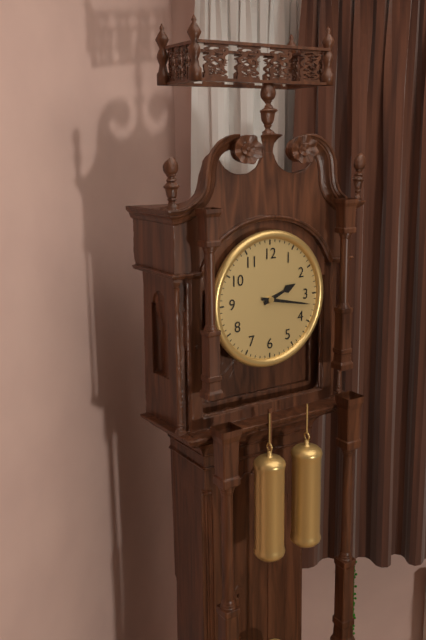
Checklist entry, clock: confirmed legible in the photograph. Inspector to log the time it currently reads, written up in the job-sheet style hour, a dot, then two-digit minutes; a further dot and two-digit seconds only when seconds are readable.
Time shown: 2.17
